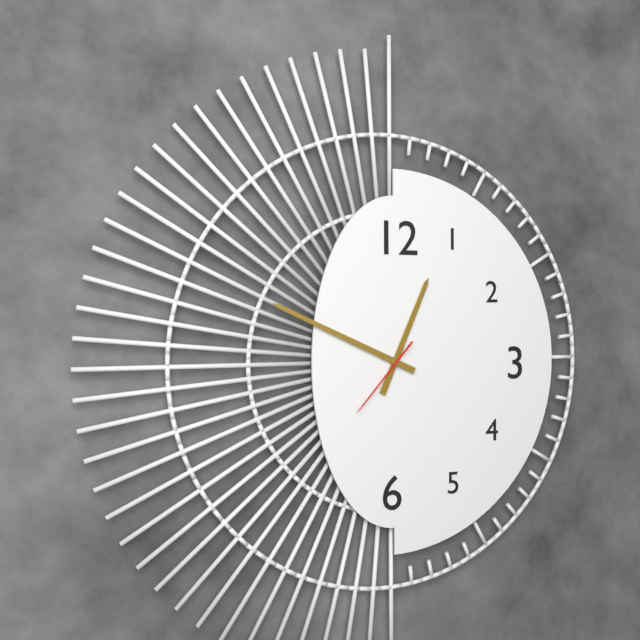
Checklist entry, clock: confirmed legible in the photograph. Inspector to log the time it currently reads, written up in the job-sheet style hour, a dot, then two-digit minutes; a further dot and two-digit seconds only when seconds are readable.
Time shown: 12.49.37
